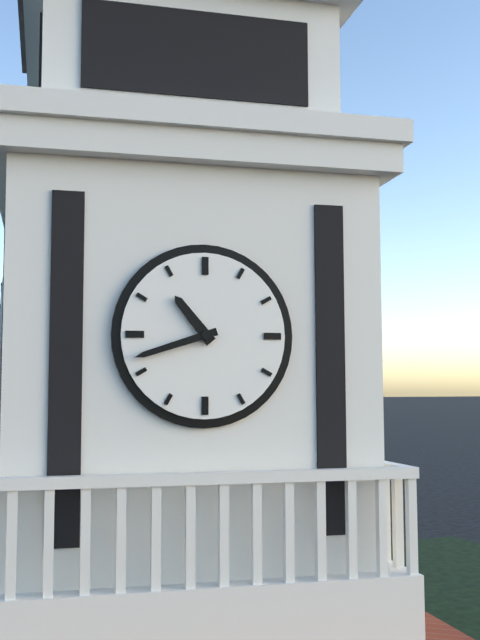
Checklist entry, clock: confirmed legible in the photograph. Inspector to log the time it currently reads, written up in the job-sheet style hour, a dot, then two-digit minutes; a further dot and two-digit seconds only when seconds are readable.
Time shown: 10.42
